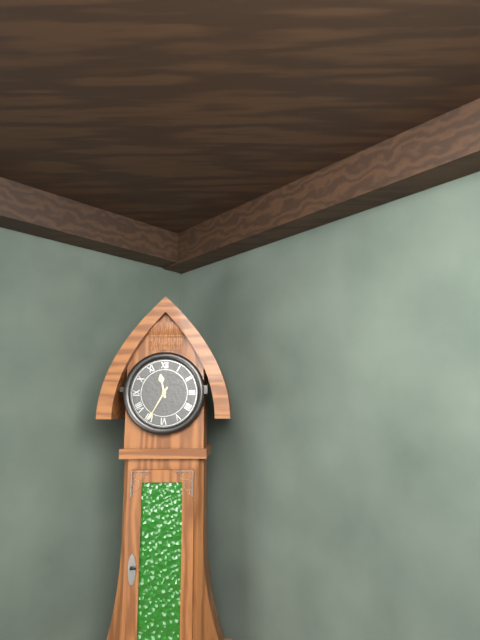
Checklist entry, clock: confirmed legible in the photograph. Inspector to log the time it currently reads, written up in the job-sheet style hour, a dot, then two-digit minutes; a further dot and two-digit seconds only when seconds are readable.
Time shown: 11.35
